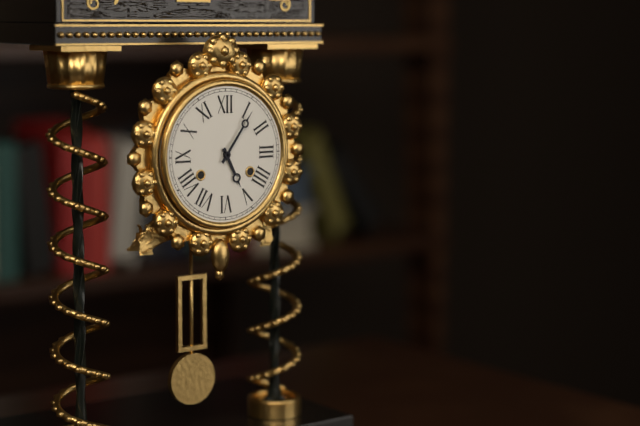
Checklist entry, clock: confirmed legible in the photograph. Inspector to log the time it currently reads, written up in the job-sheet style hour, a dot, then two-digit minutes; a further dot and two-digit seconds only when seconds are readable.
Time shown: 5.06
